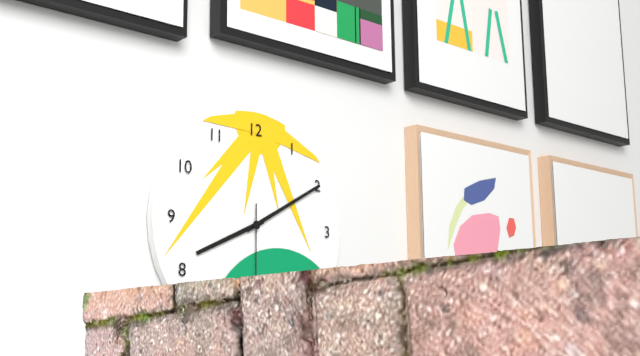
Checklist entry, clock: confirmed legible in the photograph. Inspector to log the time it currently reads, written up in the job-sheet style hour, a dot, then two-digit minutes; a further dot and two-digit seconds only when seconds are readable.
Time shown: 8.10
